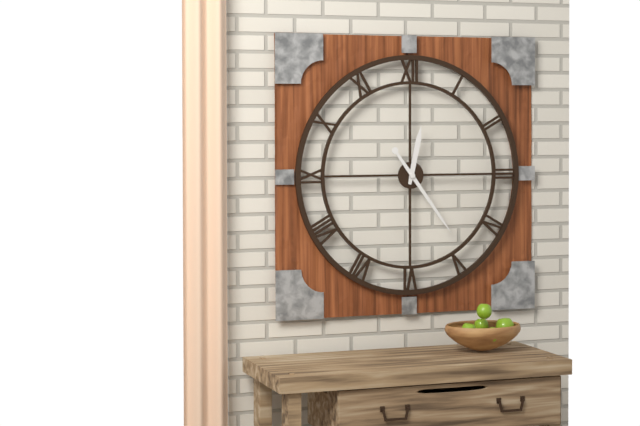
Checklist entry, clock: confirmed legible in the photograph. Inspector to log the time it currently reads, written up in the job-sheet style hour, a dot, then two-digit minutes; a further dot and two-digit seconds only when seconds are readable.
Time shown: 12.24
